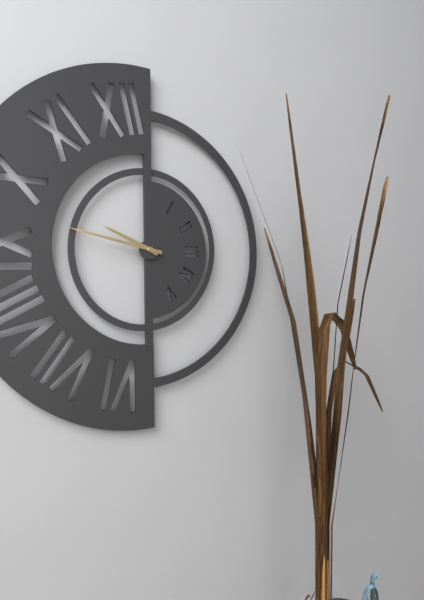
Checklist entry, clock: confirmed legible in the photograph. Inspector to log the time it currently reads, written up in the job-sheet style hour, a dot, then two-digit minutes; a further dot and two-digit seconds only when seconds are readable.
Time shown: 9.47
